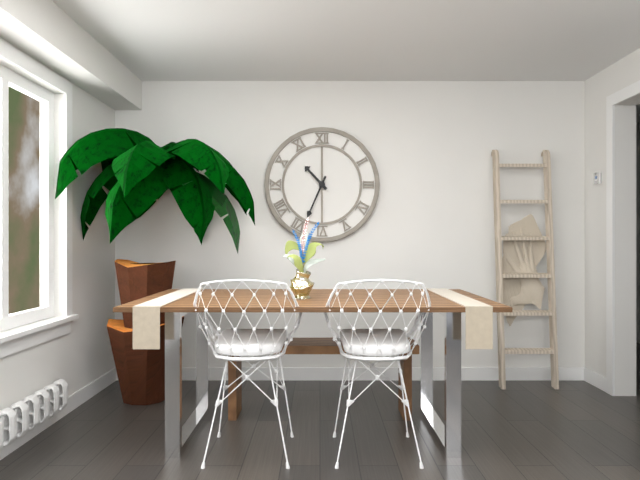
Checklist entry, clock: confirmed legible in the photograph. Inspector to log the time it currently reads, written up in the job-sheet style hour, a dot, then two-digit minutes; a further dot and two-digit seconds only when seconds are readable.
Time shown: 10.34
